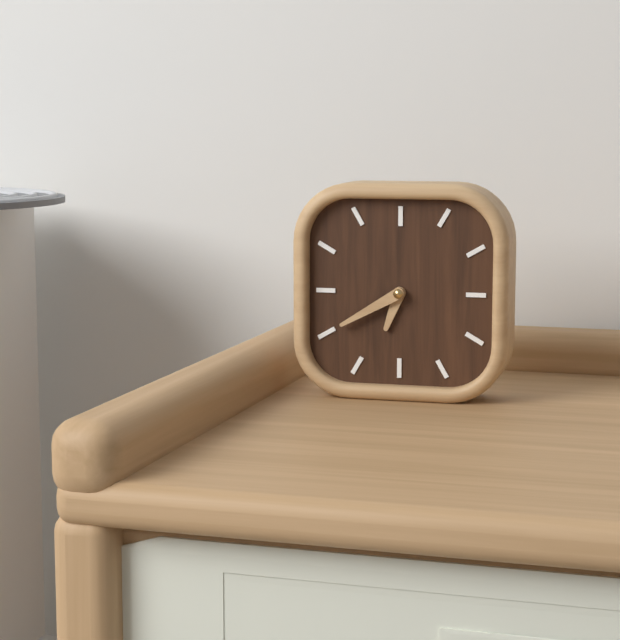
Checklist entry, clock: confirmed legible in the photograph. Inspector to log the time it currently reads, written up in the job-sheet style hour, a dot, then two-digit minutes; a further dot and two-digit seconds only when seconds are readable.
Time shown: 6.40
